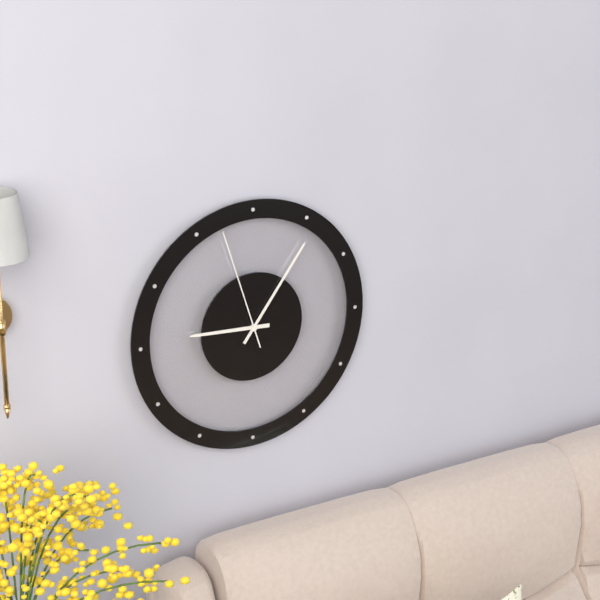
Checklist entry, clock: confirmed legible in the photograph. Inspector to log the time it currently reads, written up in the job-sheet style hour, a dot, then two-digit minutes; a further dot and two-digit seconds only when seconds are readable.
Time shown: 9.06.57
